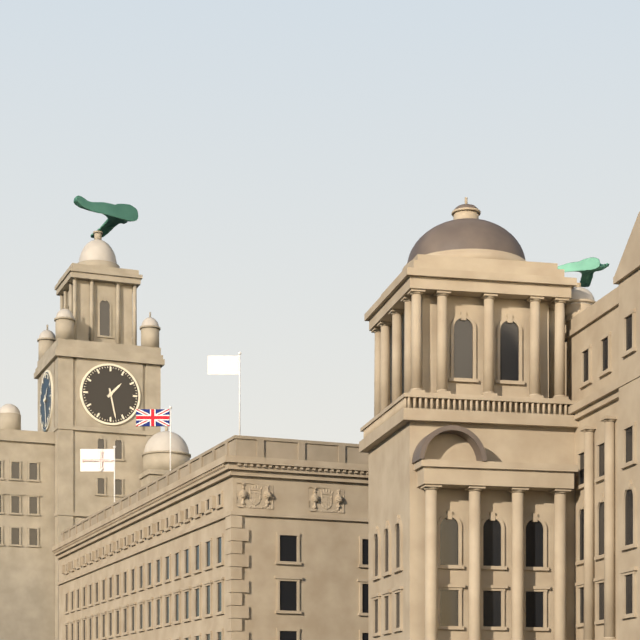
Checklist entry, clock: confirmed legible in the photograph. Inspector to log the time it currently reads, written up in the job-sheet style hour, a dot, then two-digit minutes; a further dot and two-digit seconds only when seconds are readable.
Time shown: 1.28
